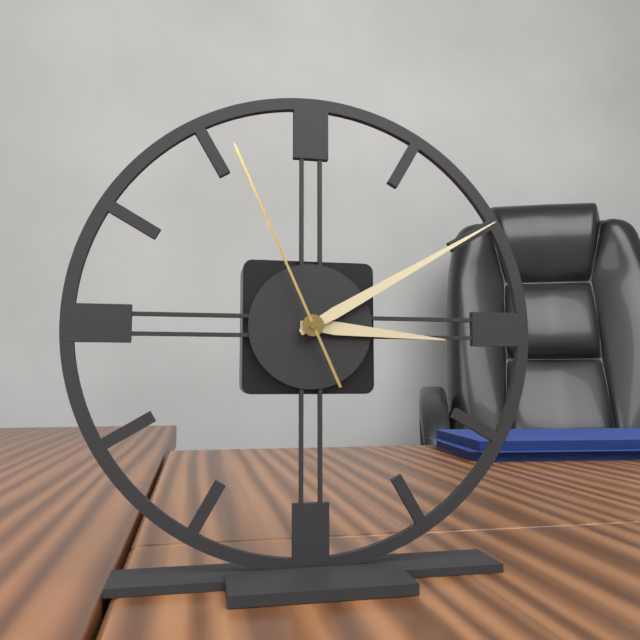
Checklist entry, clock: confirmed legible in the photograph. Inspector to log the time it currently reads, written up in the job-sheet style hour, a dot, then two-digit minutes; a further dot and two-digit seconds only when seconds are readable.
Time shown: 3.10.56
